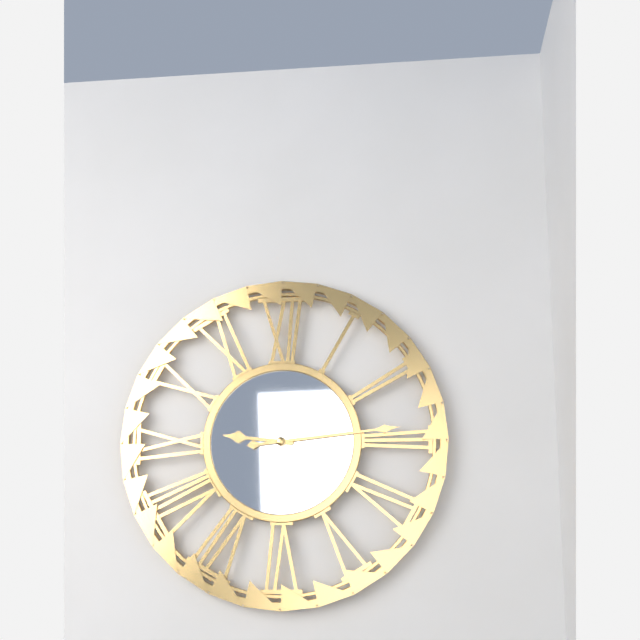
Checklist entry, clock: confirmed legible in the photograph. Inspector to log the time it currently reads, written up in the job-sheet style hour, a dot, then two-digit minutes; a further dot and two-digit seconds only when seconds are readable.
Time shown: 9.14
